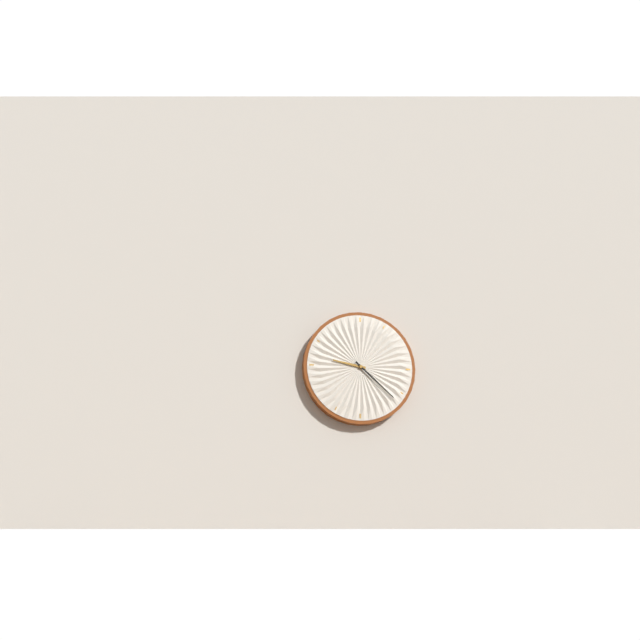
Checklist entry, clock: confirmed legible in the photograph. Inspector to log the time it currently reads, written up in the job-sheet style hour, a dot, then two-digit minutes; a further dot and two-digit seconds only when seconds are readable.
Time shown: 9.22
